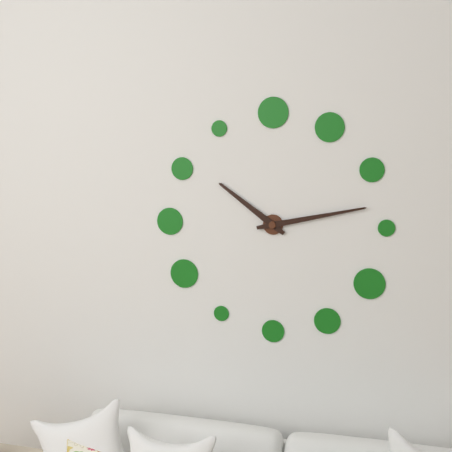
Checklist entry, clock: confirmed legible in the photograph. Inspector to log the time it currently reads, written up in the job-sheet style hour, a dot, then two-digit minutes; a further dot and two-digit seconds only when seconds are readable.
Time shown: 10.13
